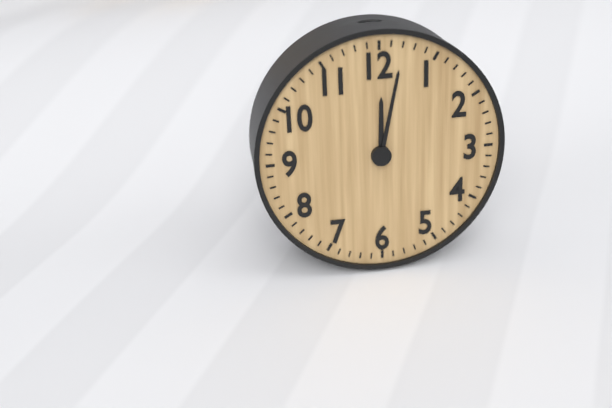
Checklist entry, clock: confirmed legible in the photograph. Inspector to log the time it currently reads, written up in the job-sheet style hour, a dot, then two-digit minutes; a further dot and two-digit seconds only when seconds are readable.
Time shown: 12.02
